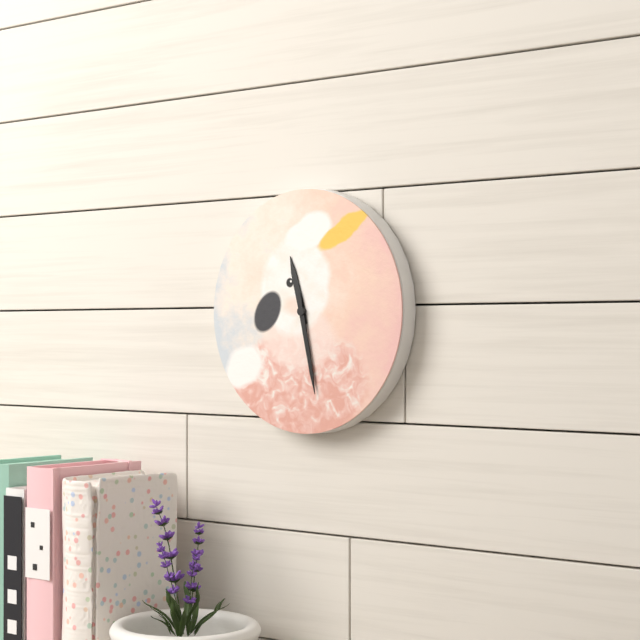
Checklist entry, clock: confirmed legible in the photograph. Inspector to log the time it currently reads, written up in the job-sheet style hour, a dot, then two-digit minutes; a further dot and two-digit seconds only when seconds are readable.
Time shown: 11.28
